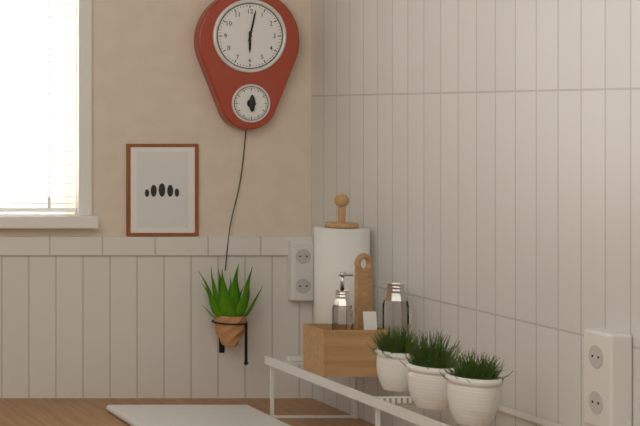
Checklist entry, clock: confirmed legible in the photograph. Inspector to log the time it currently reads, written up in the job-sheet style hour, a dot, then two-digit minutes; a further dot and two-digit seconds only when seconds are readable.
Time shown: 6.02
